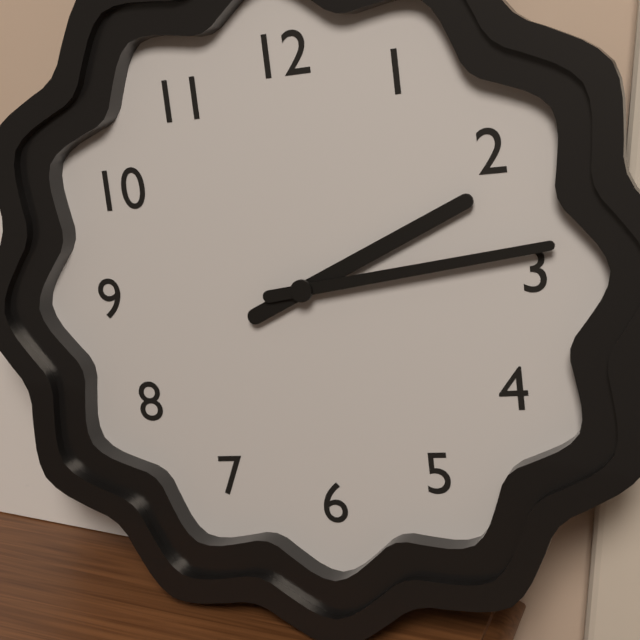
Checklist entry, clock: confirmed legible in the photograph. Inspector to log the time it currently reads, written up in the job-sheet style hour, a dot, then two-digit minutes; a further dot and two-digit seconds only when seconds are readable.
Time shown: 2.14
